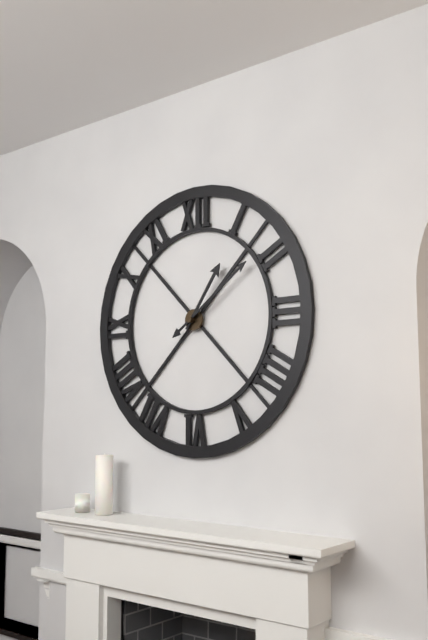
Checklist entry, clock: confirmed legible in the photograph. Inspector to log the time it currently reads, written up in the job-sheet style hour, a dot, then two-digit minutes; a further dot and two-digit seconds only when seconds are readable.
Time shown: 1.09
